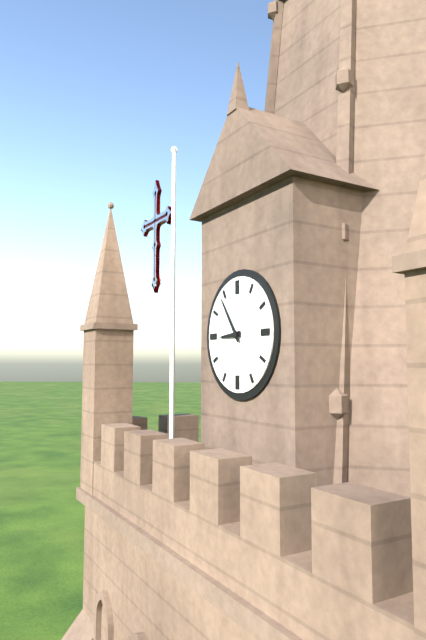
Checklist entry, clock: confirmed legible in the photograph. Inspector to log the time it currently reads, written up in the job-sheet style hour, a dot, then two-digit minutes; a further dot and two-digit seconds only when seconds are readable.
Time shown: 8.54
